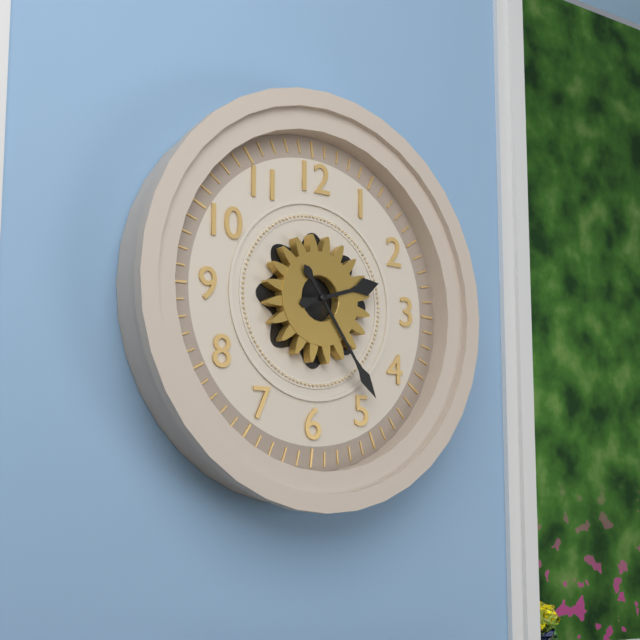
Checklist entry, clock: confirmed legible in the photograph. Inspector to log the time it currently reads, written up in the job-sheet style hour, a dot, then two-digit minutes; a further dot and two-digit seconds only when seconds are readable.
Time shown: 2.24
